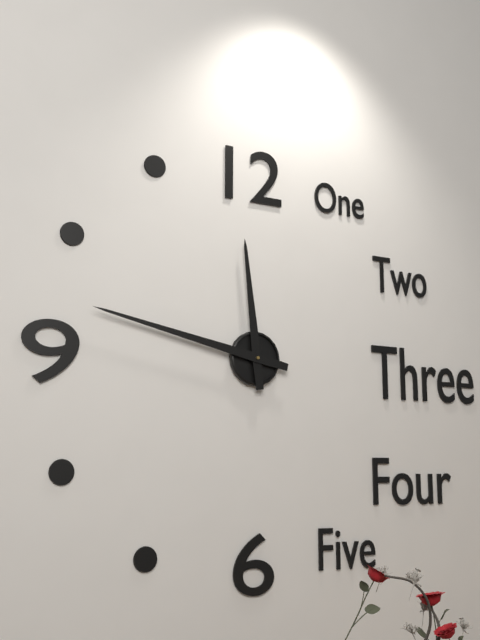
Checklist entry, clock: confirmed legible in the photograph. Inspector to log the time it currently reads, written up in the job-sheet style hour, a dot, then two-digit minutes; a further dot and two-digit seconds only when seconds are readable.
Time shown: 11.47
